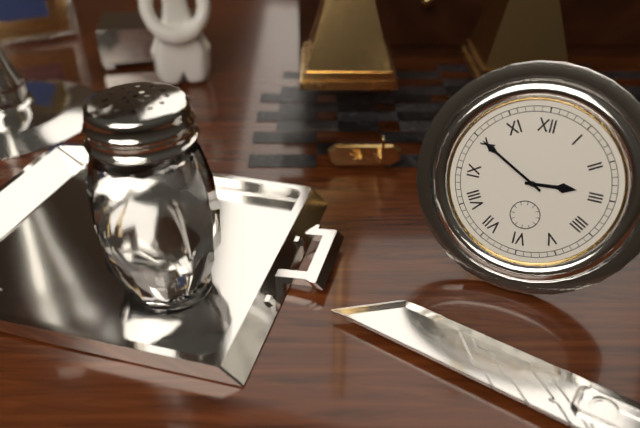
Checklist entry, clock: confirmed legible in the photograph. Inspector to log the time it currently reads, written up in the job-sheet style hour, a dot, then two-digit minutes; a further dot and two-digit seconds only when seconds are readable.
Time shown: 2.50
